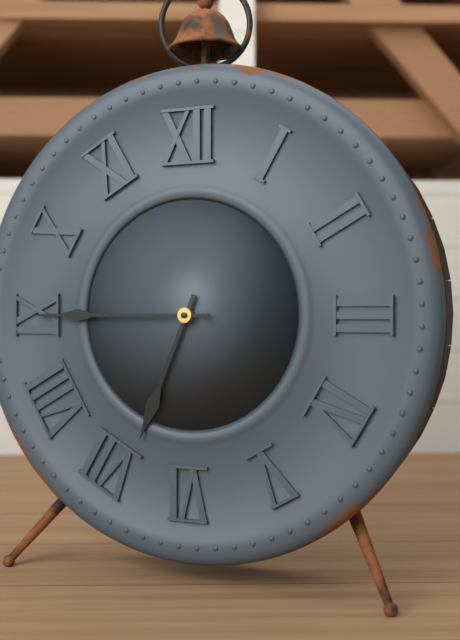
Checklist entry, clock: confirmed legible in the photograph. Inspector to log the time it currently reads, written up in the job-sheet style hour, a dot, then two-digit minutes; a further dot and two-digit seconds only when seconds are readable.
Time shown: 6.45
